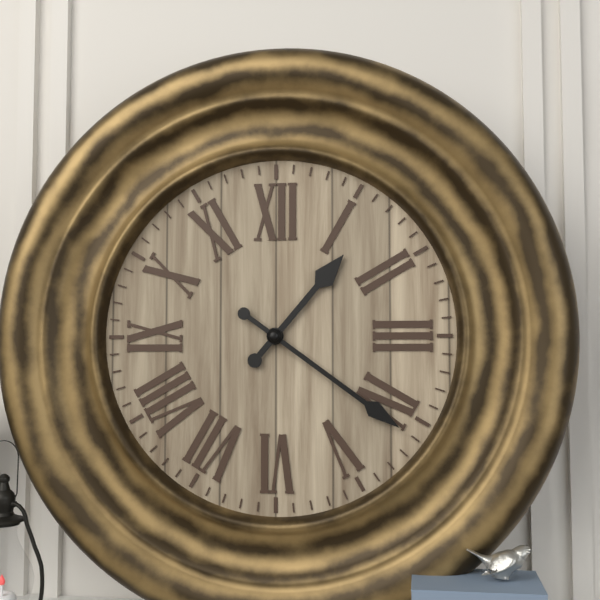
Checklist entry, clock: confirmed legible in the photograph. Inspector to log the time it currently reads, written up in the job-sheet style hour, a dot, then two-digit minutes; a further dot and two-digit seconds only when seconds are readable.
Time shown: 1.21
